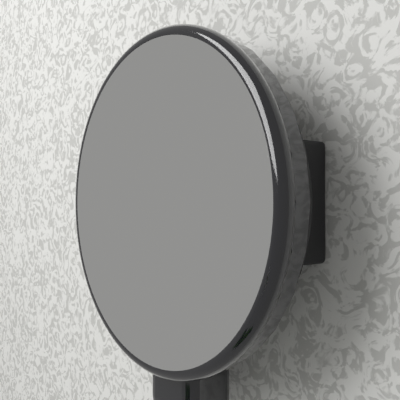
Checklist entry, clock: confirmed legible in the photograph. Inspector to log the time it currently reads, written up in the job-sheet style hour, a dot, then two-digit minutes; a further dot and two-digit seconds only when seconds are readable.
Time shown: 2.09
